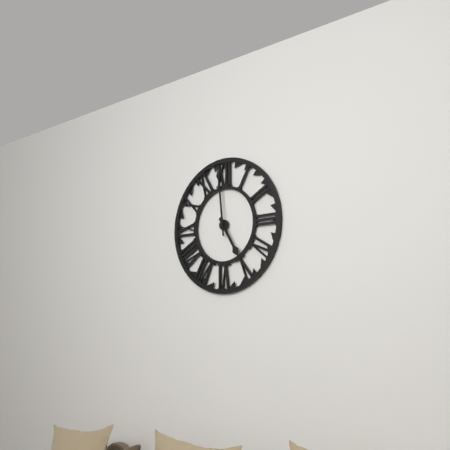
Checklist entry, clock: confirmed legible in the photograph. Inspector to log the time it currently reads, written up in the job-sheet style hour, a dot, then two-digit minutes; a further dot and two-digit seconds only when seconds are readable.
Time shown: 4.59
